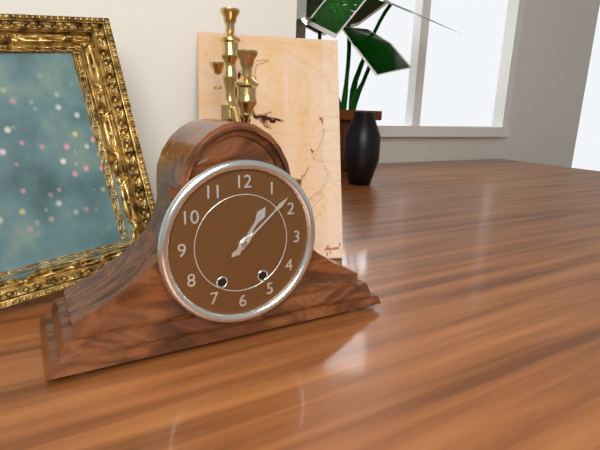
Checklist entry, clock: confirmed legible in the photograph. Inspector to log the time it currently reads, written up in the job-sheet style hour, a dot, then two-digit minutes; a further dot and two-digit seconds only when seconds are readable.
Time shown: 1.08
